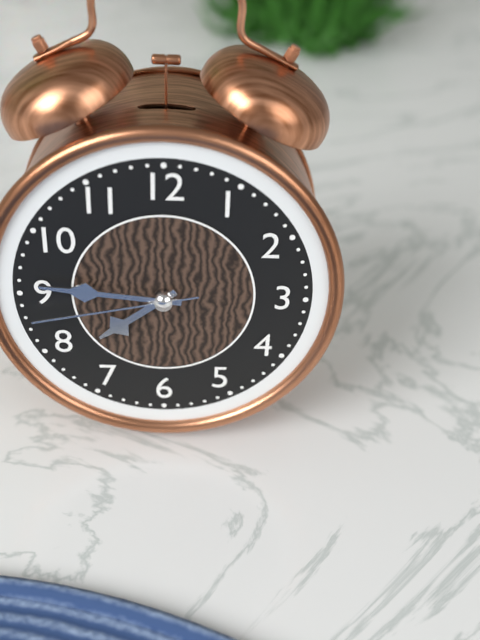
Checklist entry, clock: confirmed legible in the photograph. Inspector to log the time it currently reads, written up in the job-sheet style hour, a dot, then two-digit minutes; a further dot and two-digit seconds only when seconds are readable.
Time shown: 7.46.43
